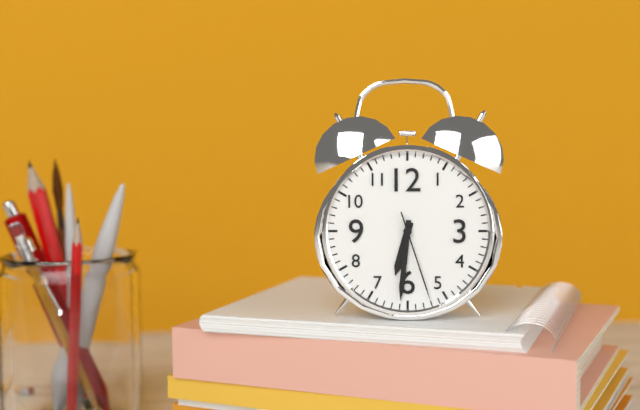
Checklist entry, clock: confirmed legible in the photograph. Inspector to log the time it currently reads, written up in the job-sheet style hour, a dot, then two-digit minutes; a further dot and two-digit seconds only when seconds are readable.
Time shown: 6.31.27
